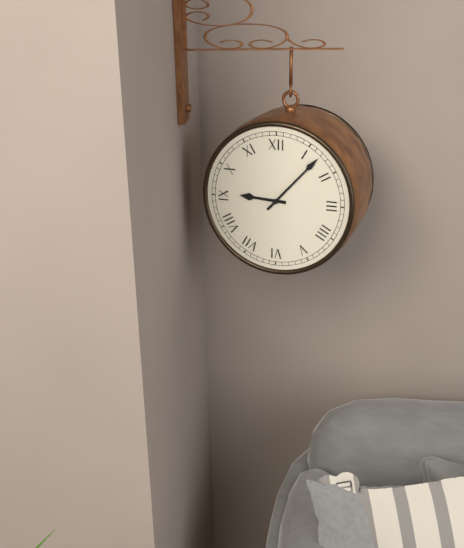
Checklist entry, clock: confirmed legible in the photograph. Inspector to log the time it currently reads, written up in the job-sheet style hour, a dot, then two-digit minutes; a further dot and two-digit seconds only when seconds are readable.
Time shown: 9.07
